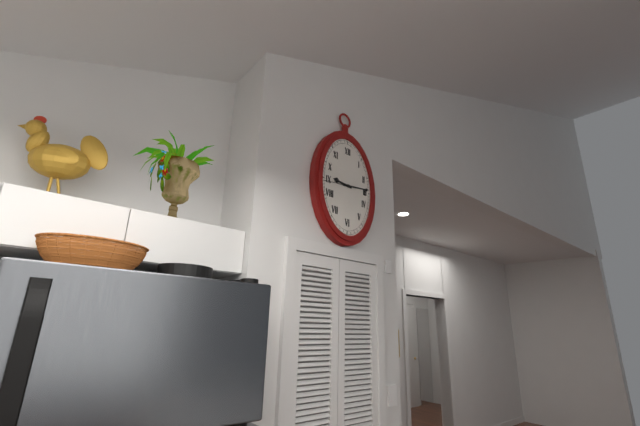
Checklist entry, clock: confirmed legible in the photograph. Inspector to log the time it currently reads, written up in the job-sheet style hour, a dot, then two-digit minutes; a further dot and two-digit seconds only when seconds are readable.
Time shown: 9.14
